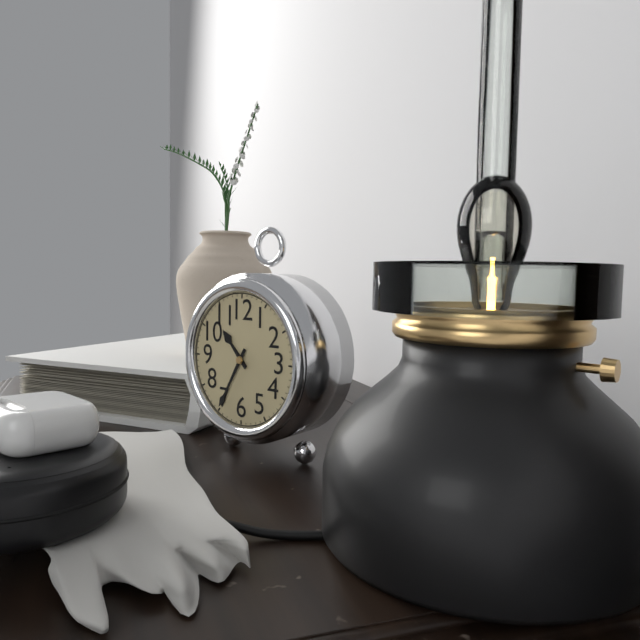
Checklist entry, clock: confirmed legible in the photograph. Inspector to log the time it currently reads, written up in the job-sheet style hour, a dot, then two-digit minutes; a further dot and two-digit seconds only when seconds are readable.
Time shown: 10.35
